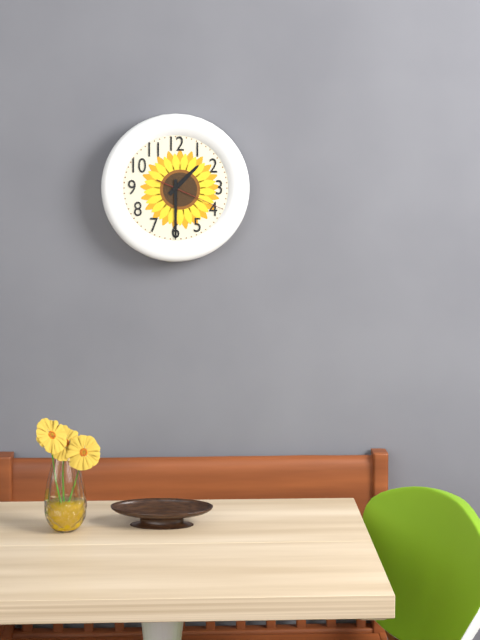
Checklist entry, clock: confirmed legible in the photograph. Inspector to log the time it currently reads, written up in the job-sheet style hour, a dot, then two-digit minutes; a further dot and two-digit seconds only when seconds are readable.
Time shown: 1.30.19
